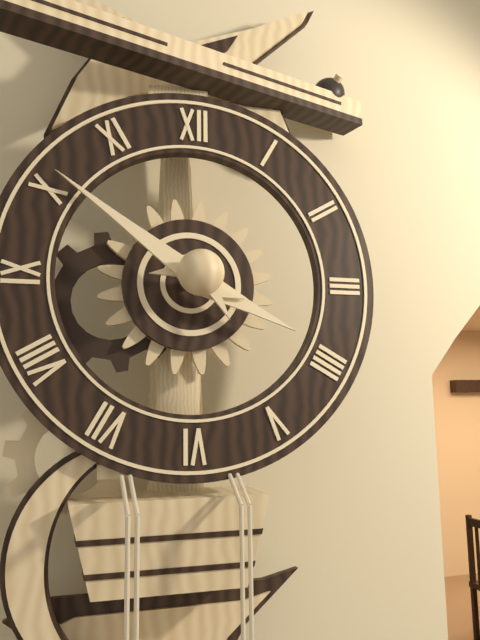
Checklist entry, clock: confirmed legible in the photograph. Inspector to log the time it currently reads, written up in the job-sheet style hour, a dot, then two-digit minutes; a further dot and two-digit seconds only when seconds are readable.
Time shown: 3.51
